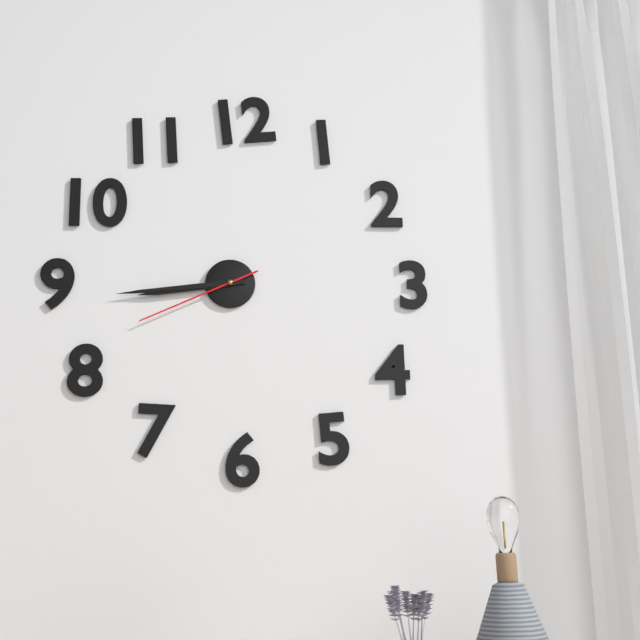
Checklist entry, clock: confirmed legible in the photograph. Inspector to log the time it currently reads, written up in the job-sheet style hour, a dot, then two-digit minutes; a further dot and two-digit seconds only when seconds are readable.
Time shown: 8.44.41
